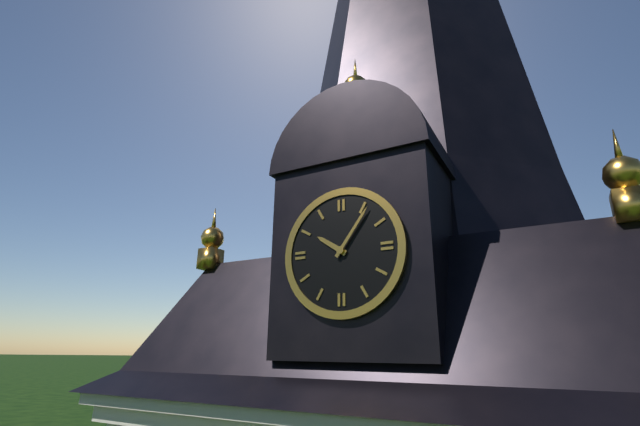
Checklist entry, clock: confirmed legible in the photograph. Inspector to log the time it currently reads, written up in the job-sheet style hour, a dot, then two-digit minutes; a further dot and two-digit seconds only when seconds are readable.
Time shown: 10.06
